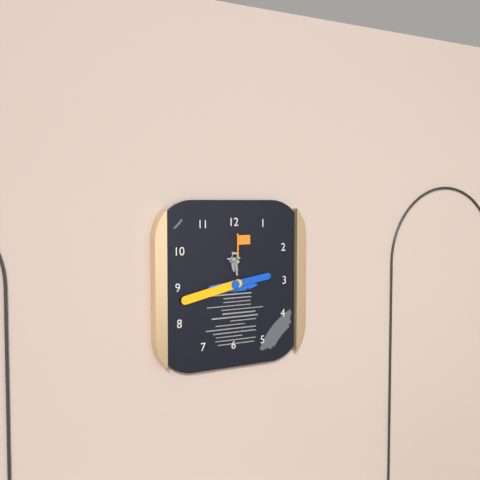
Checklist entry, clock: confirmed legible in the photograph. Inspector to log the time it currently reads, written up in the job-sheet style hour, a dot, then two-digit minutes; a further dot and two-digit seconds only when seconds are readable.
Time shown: 2.43
